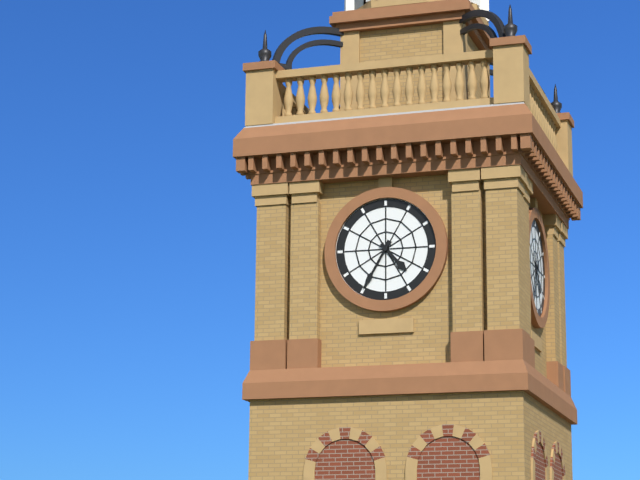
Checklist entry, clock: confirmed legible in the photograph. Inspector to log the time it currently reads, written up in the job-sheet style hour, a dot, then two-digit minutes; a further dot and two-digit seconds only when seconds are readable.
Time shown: 4.35
